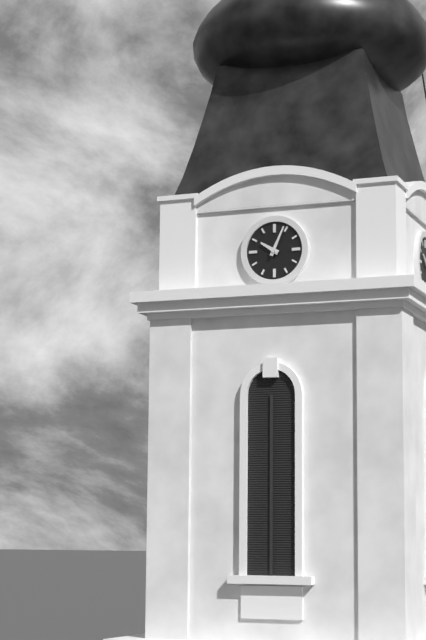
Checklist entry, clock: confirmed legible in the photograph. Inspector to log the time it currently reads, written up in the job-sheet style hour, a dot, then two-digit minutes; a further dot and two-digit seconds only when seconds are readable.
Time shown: 10.04
